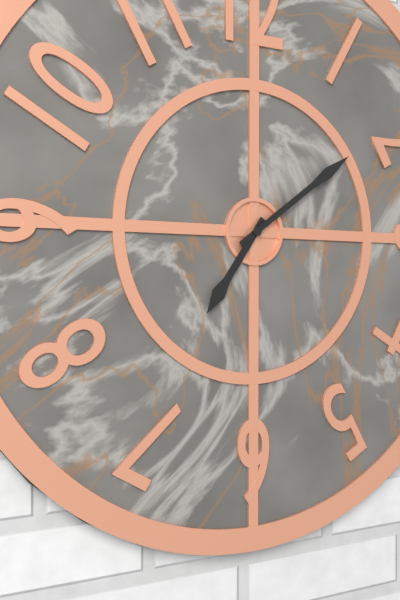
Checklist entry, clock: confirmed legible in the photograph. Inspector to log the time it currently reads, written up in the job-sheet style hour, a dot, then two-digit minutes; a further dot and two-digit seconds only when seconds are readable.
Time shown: 7.09
